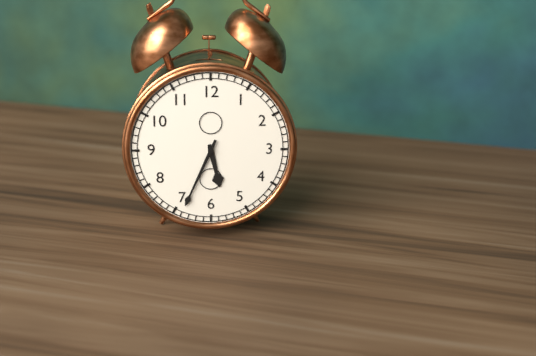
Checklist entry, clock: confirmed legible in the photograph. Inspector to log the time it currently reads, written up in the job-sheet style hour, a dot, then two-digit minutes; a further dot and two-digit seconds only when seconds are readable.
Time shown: 5.34
